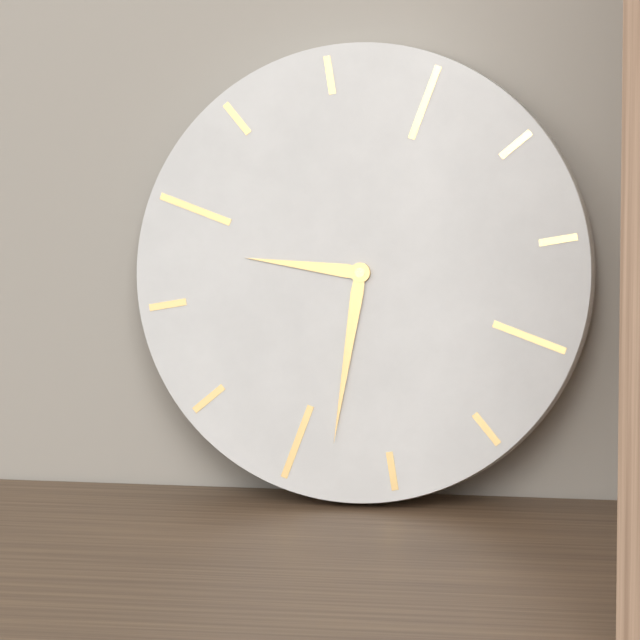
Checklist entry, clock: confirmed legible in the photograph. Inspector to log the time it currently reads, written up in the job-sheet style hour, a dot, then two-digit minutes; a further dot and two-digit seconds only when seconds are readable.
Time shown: 9.33
